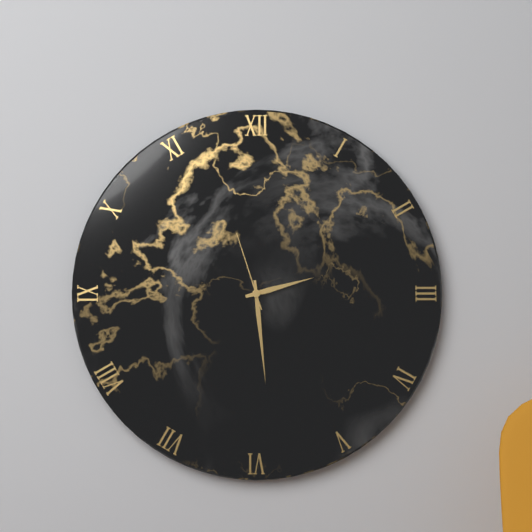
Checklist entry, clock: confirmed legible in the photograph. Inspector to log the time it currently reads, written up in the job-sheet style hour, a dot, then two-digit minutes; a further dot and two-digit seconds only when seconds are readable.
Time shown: 2.29.57
